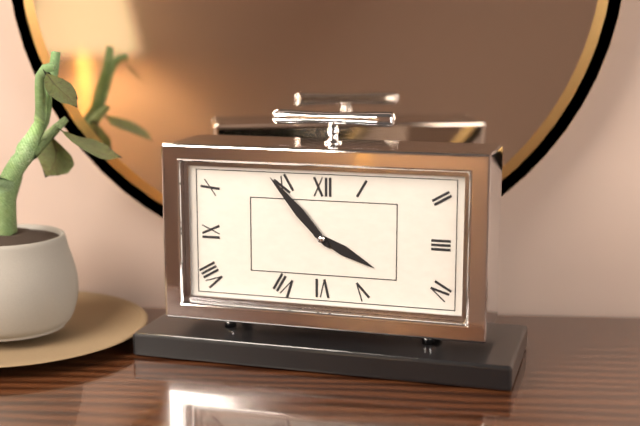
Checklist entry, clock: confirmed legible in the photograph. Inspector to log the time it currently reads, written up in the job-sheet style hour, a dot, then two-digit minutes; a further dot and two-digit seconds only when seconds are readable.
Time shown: 3.53
